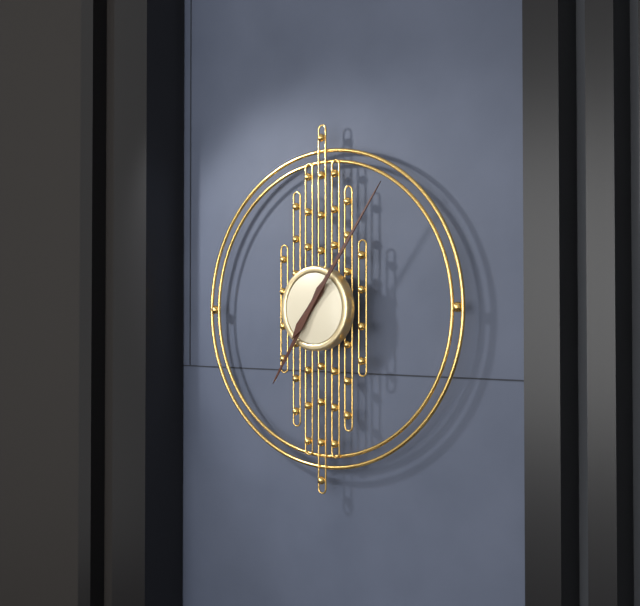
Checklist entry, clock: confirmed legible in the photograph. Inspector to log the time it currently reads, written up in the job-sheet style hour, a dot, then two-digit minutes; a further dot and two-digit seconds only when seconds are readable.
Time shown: 7.06
